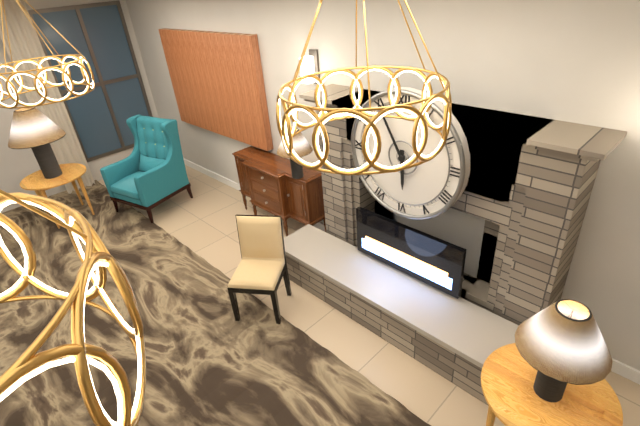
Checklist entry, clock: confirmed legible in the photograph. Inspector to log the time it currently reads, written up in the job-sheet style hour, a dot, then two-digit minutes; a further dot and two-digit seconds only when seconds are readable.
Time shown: 5.55
